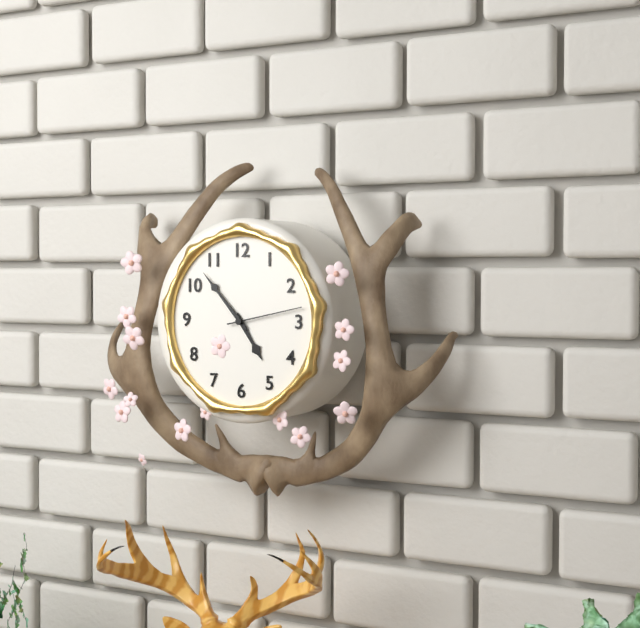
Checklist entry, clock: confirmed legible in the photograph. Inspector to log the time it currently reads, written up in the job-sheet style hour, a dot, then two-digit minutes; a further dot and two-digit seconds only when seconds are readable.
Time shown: 4.53.13
